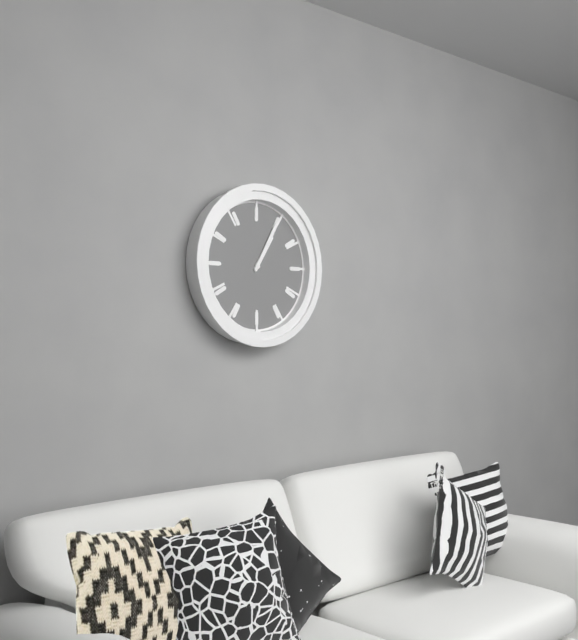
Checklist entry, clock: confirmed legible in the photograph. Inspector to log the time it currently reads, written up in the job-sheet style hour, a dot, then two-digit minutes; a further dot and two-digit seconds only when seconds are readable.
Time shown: 1.05
